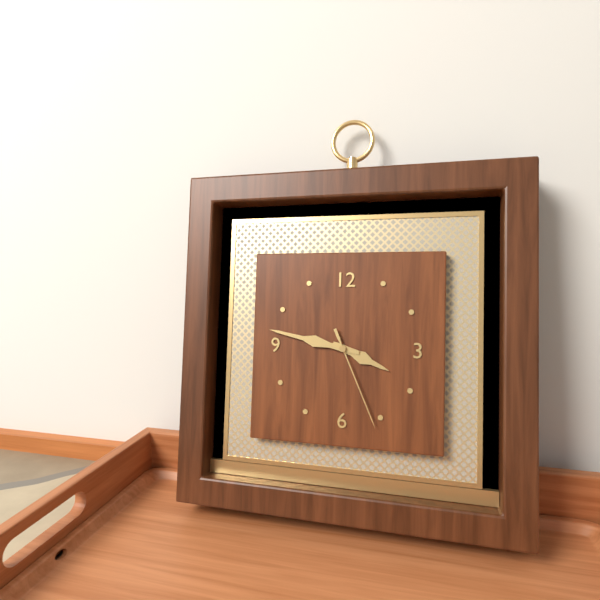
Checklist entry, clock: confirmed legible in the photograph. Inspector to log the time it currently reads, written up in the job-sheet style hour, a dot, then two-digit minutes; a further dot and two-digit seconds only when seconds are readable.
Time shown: 3.47.26
